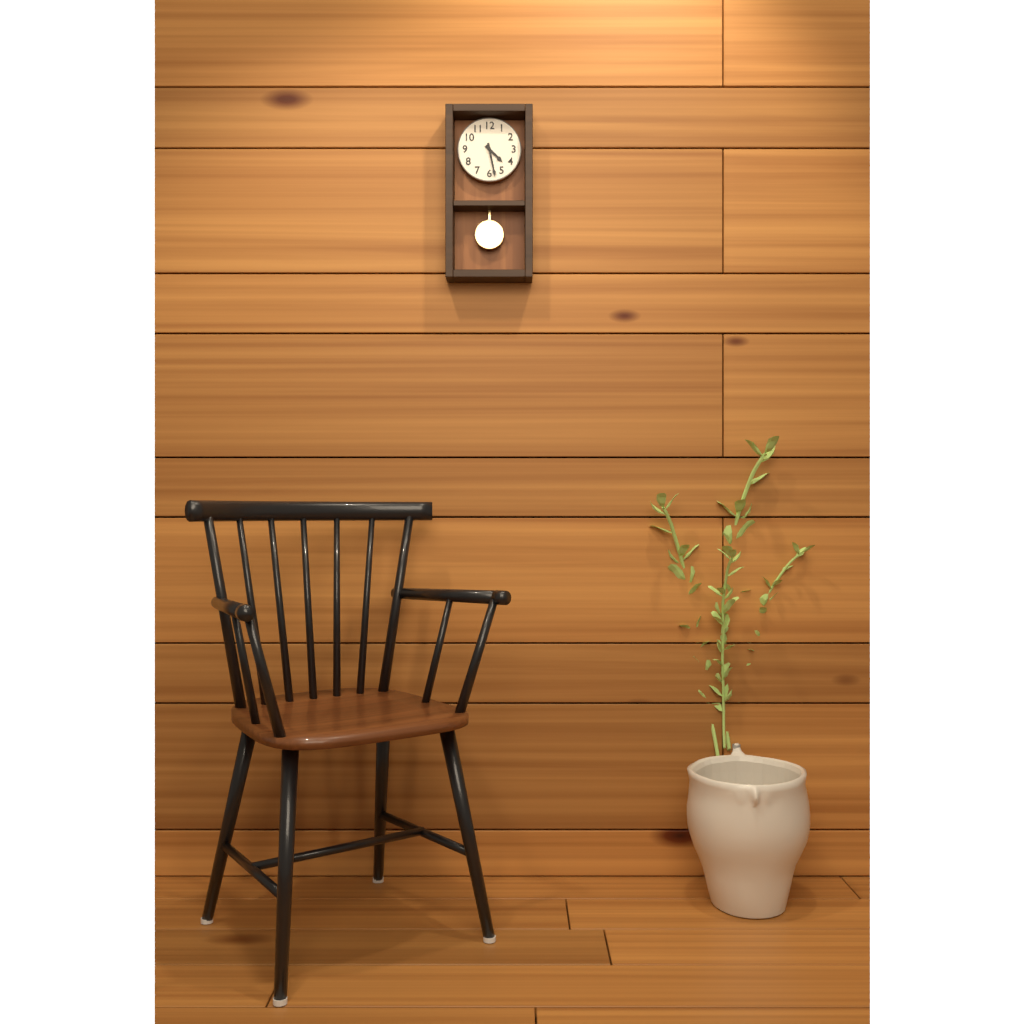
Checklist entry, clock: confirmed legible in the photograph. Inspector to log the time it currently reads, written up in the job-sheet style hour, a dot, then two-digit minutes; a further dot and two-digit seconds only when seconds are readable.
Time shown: 4.28
